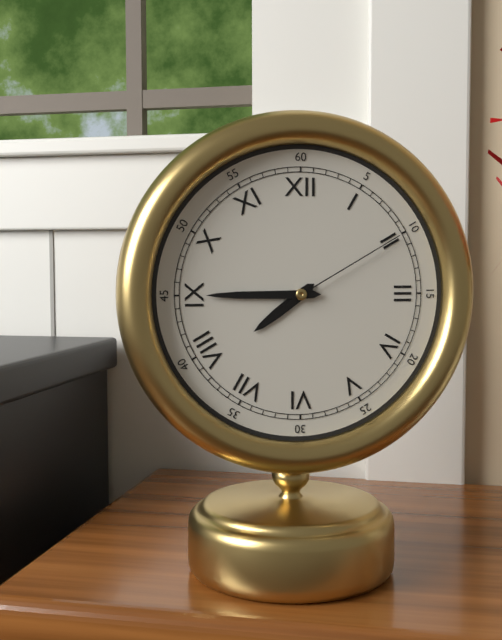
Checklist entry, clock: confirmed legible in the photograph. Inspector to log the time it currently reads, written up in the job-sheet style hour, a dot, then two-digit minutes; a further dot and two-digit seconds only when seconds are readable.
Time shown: 7.45.10
